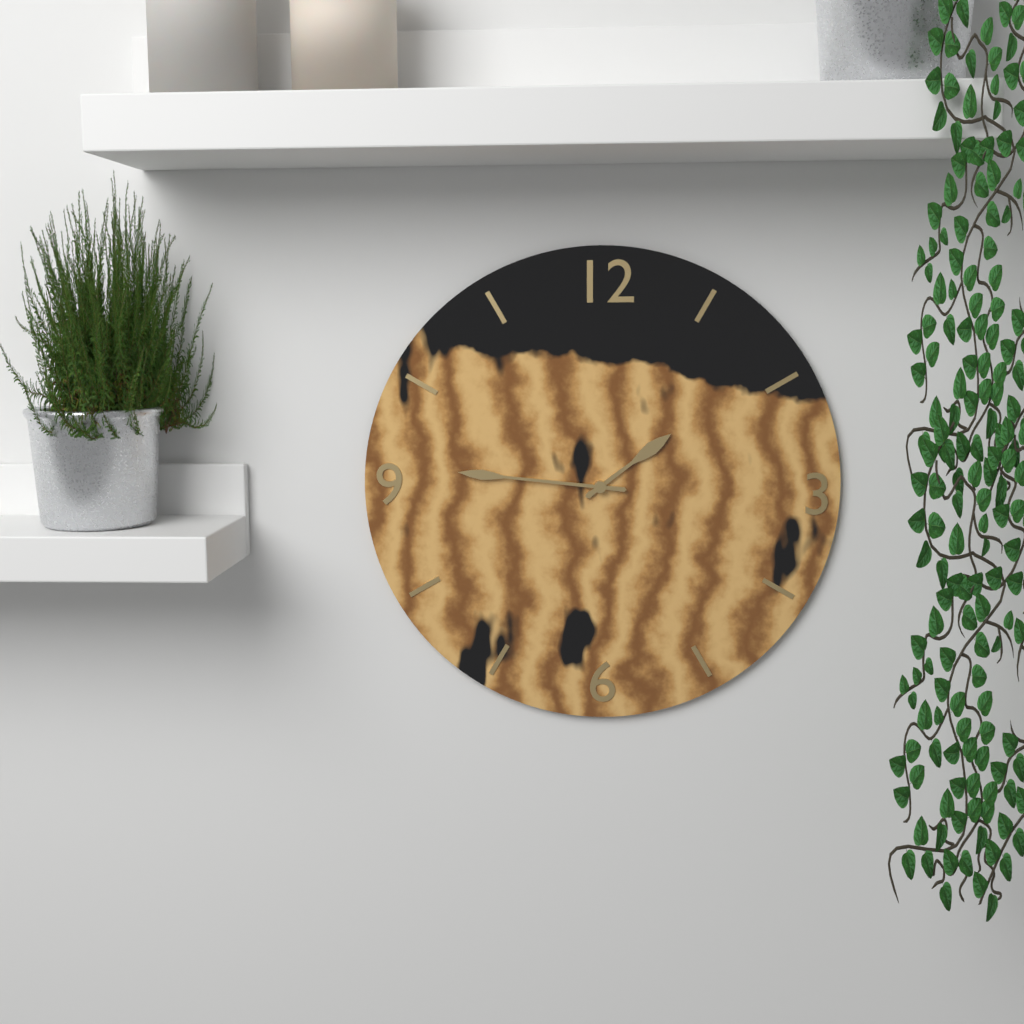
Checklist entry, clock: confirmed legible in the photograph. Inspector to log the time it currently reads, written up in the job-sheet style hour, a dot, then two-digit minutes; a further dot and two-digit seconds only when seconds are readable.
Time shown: 1.46
